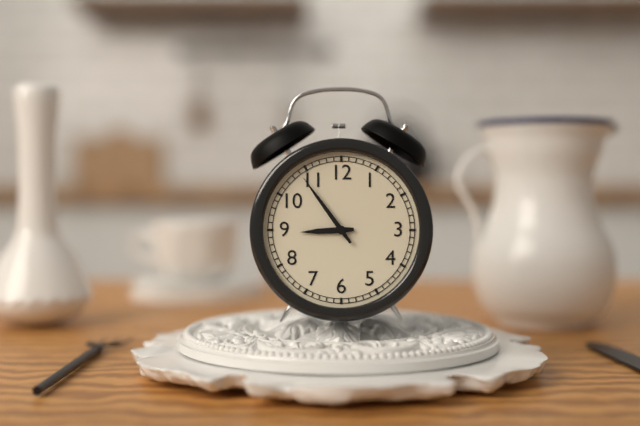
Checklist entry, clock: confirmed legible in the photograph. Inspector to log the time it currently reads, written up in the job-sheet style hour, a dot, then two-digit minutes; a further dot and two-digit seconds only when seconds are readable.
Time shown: 8.54
